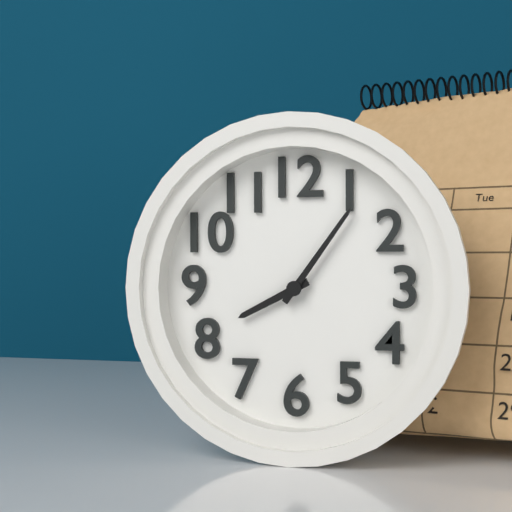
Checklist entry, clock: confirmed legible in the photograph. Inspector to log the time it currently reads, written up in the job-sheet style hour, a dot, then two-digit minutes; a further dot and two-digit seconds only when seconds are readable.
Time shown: 8.06
